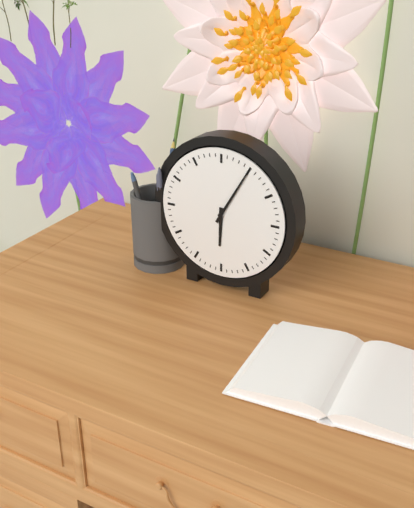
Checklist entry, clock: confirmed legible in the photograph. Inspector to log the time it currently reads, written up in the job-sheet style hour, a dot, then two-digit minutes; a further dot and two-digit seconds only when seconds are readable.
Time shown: 6.05
